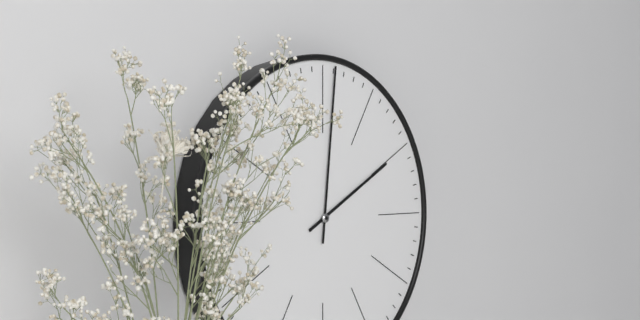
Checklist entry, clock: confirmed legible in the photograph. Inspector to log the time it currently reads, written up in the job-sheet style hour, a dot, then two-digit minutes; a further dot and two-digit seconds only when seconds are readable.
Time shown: 2.01
